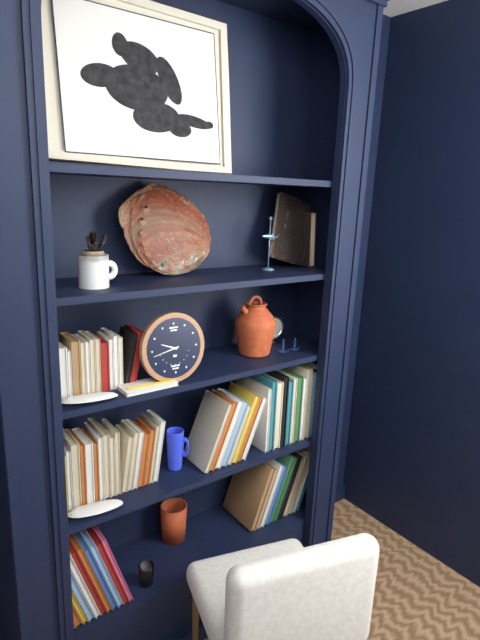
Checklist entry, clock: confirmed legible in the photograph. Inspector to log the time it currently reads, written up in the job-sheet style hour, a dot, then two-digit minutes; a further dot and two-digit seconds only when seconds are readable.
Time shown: 9.43
